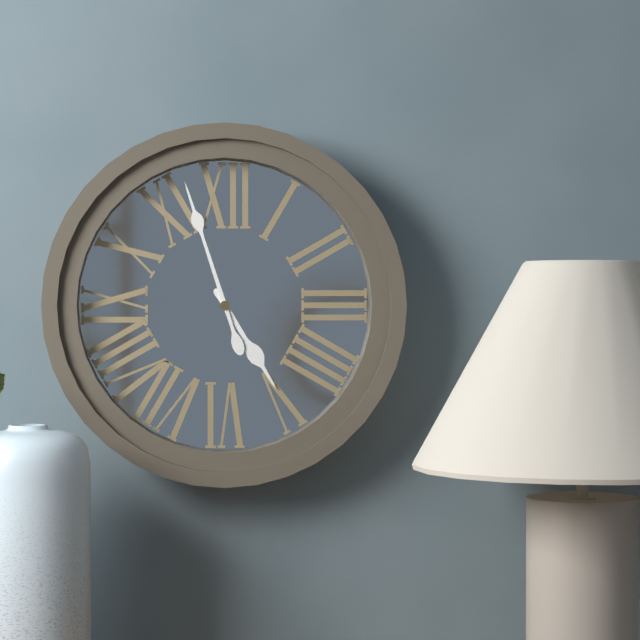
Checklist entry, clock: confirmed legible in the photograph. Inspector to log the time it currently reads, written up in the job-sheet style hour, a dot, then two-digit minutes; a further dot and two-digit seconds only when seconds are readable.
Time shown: 4.57
